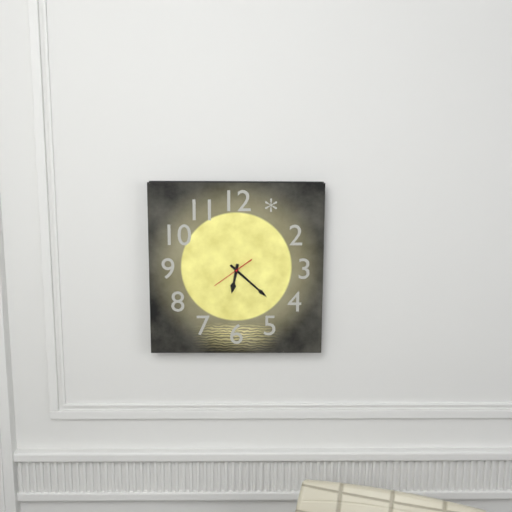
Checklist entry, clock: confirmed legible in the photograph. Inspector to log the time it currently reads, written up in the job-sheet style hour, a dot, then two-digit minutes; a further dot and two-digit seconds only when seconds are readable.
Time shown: 6.22
